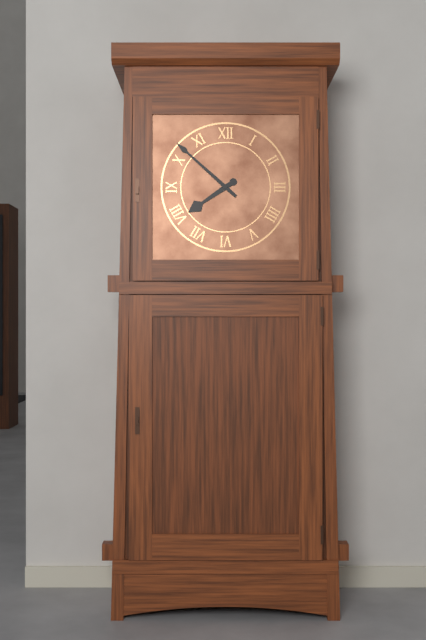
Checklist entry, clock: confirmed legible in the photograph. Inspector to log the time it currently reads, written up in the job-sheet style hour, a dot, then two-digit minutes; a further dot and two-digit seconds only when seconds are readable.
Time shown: 7.52
